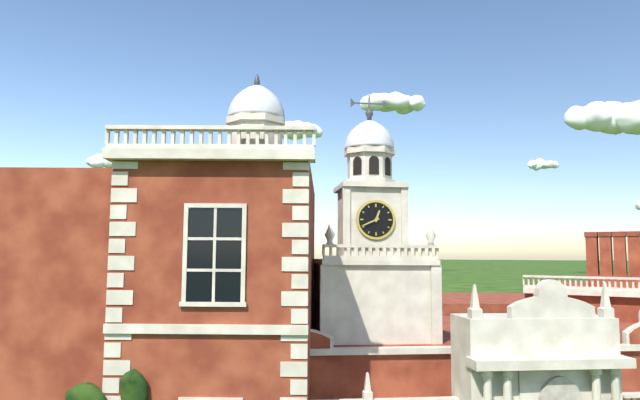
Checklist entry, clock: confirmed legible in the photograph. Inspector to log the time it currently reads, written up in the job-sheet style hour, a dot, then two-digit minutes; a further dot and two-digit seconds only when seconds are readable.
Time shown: 12.41
